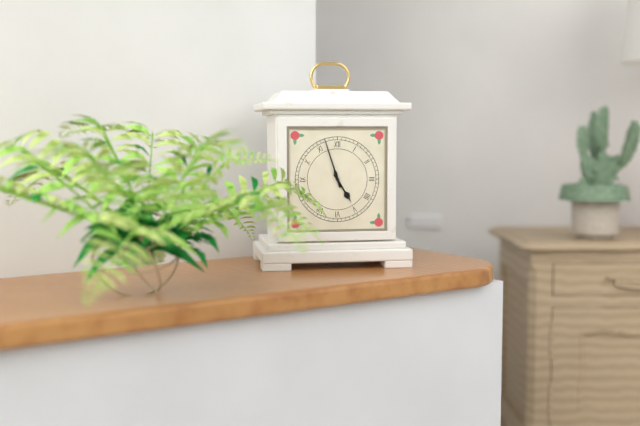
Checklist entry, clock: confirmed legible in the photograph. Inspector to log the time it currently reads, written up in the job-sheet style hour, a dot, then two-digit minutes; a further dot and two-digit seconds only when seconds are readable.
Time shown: 4.57
